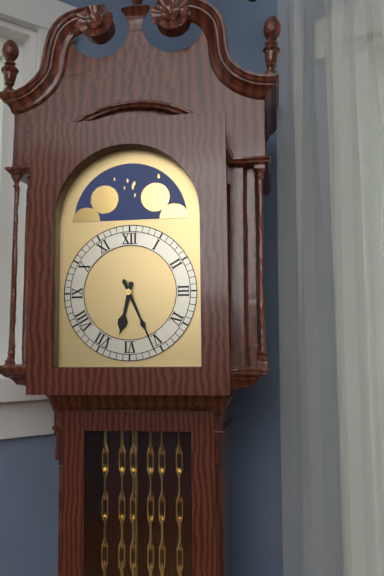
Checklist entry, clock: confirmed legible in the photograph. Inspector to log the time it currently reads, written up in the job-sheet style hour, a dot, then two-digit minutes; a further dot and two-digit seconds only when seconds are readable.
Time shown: 6.26
